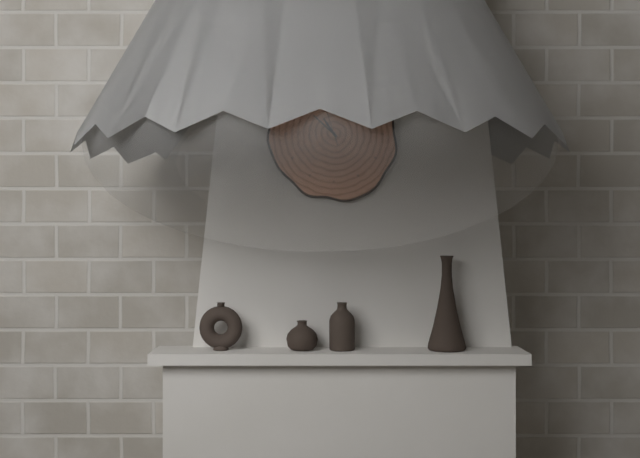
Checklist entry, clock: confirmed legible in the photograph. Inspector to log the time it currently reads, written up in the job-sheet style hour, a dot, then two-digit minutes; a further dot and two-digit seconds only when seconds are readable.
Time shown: 10.52
